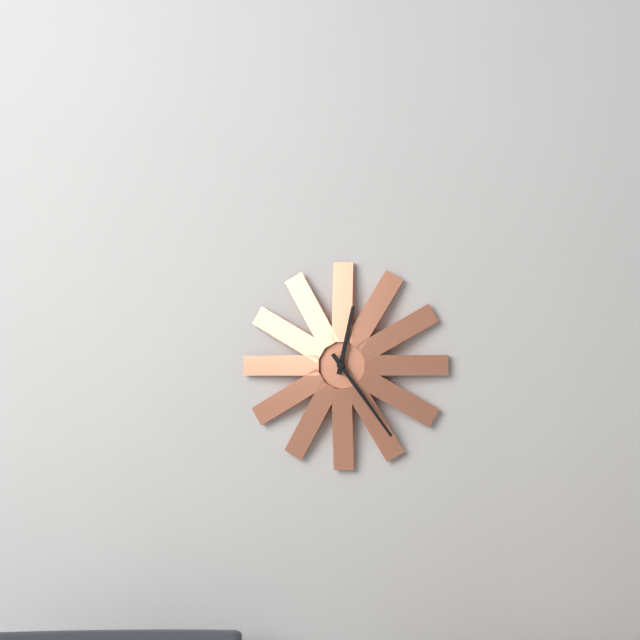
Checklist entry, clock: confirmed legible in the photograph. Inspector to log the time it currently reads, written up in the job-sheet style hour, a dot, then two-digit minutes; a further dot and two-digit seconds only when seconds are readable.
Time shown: 12.24
